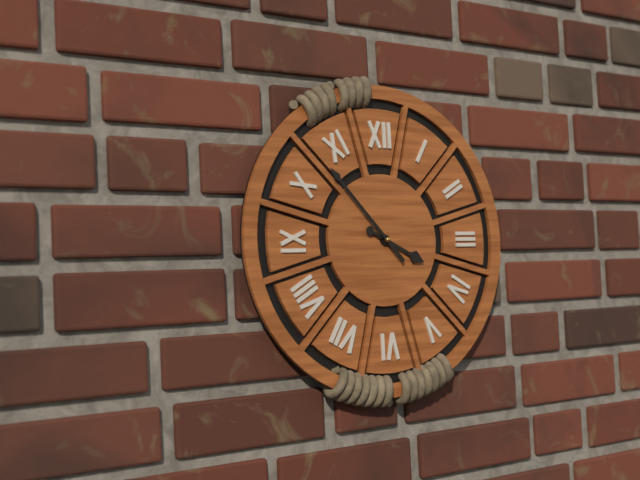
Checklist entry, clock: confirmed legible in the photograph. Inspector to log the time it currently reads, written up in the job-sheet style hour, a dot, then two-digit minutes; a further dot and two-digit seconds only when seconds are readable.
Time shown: 3.53
